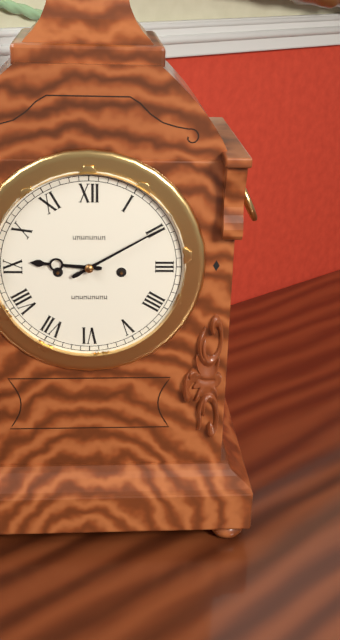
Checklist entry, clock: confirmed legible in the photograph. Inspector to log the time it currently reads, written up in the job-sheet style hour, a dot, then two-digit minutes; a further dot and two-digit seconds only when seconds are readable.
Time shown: 9.10
